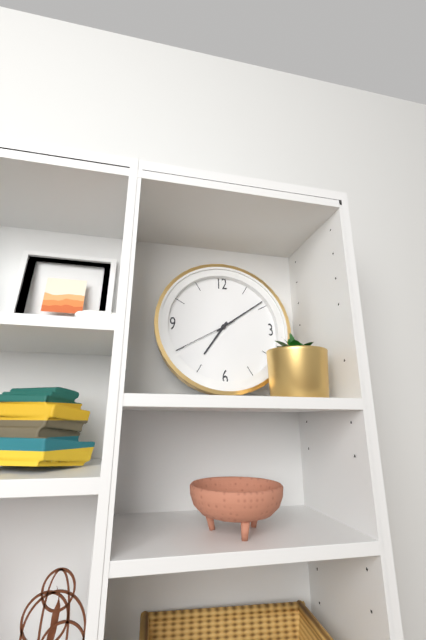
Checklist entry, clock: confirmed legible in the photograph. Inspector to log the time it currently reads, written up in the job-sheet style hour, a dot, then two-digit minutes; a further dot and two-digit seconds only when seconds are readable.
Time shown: 7.09.40
